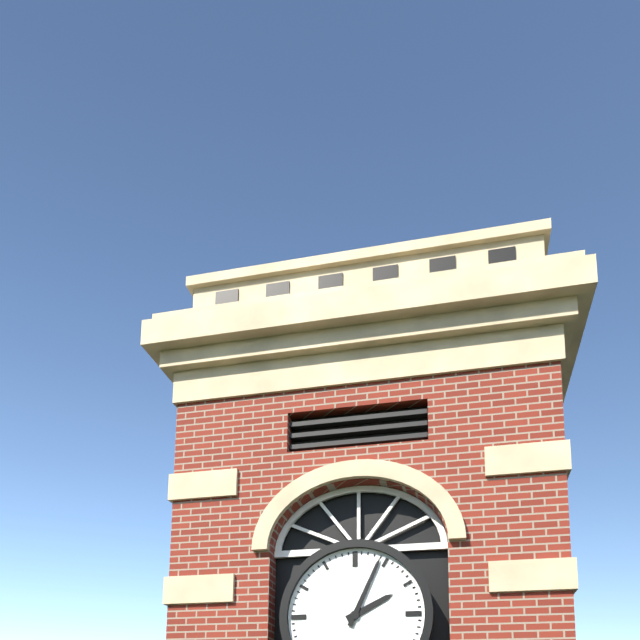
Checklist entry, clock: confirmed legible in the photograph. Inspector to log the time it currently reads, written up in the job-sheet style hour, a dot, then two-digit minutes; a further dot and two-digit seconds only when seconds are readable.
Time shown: 2.04
